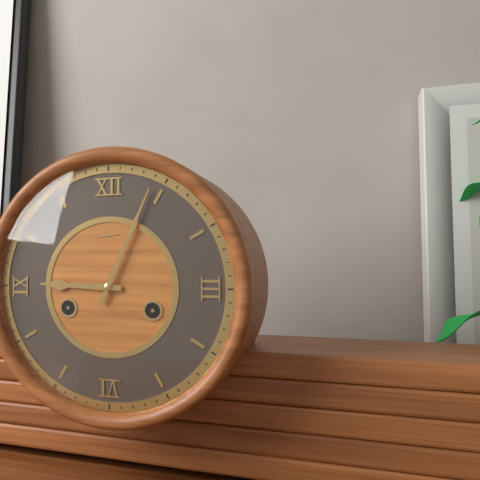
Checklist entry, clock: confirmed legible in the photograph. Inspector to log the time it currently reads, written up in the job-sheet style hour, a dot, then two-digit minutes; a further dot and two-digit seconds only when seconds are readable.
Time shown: 9.04
